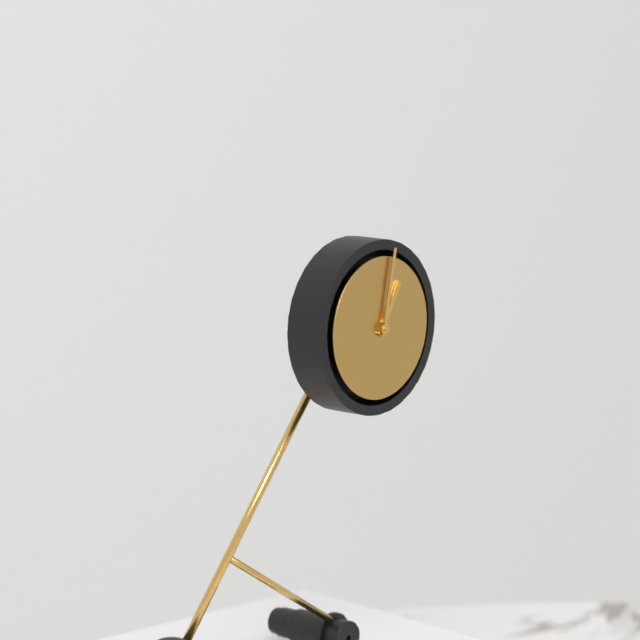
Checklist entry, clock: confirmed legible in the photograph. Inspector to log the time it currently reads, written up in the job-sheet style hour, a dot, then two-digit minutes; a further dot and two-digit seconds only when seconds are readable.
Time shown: 1.02
